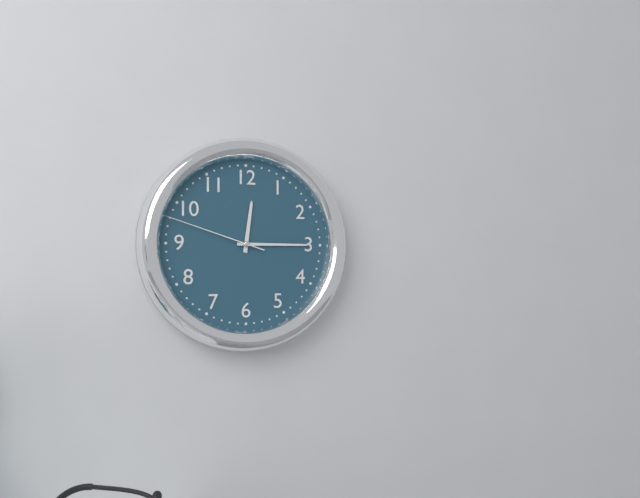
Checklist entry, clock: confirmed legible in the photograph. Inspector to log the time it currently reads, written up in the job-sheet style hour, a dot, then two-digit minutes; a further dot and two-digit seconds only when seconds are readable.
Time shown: 12.15.48
